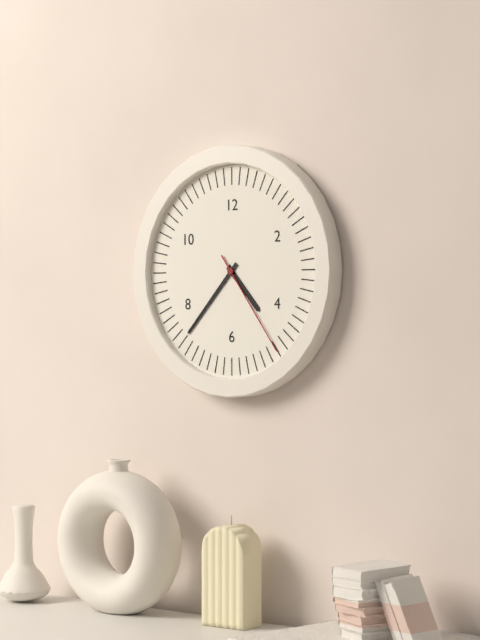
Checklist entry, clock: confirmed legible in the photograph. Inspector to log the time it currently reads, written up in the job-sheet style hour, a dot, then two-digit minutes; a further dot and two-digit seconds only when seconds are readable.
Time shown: 4.37.24
